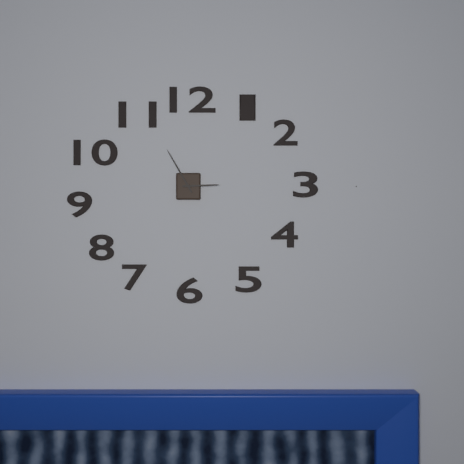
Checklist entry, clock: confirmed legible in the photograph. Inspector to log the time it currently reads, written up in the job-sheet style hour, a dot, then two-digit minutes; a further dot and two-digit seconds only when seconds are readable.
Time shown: 2.55
